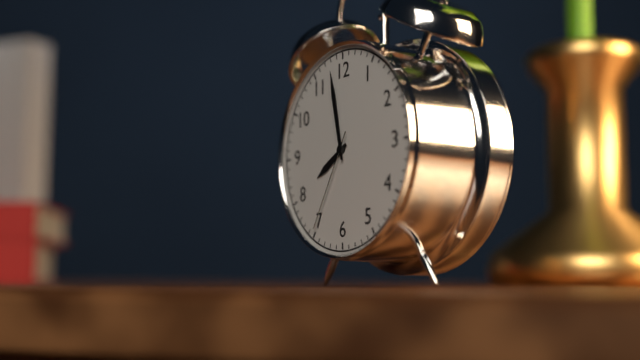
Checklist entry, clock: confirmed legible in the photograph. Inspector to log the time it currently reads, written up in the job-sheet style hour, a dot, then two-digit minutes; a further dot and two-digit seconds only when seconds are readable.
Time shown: 7.58.35
